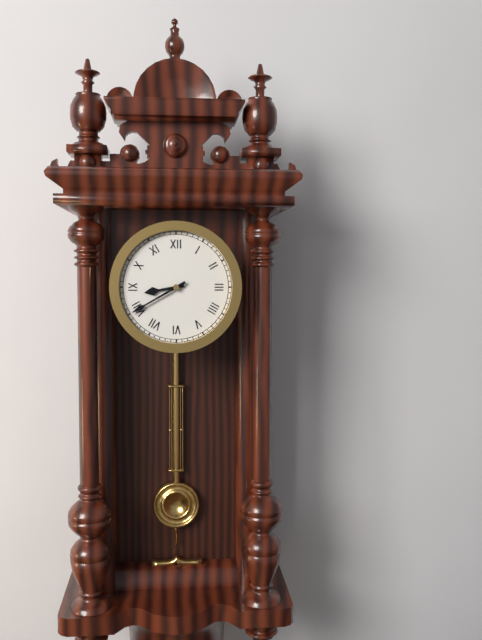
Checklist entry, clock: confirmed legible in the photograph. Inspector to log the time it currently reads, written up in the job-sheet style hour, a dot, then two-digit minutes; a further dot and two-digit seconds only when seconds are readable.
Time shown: 8.40
